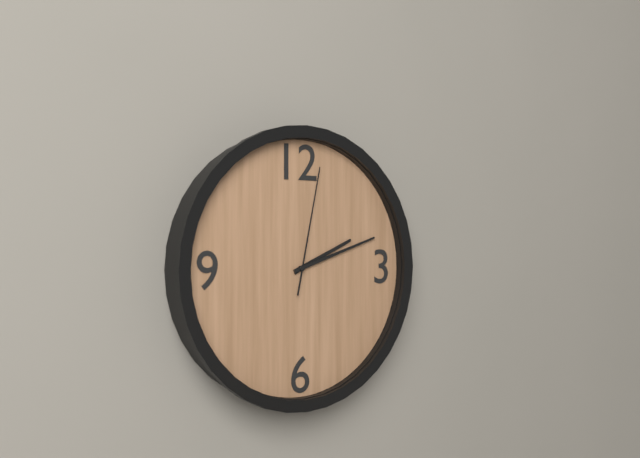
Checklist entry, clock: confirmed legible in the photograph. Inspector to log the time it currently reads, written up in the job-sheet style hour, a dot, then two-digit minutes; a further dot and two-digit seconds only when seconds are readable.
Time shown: 2.12.02
